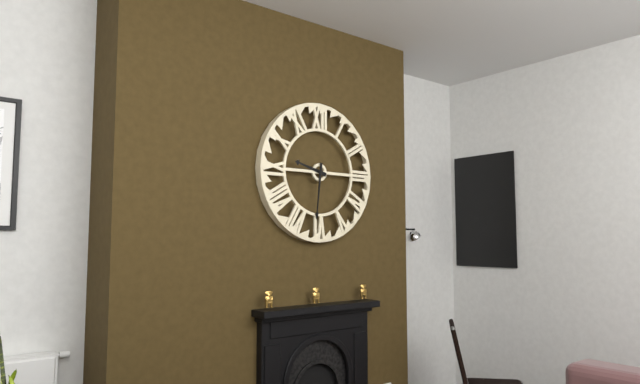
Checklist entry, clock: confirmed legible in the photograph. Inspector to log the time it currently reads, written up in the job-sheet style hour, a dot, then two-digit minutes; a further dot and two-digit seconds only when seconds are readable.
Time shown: 9.31
